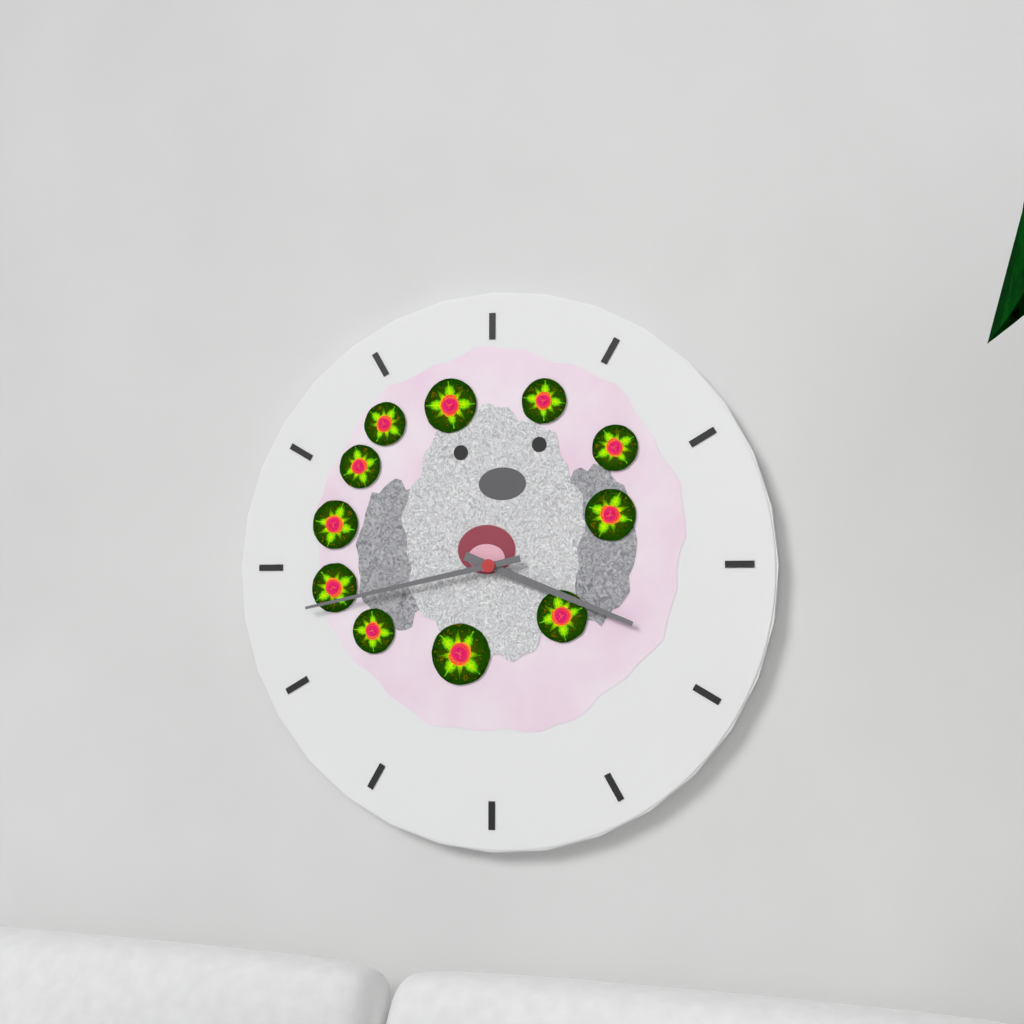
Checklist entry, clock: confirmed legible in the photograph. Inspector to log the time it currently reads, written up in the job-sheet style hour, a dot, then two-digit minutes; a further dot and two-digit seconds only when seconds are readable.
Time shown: 3.43
